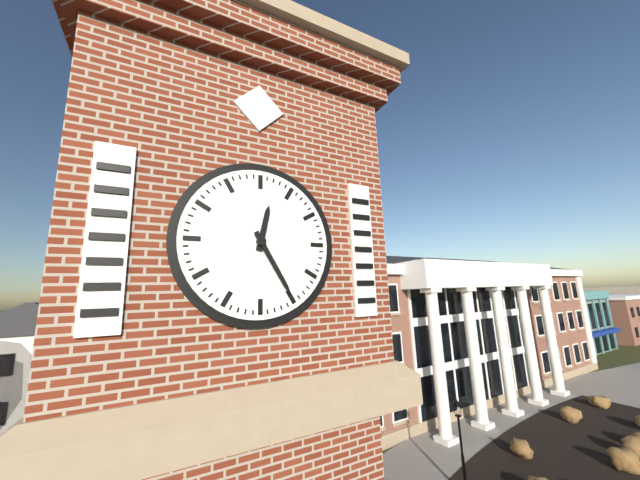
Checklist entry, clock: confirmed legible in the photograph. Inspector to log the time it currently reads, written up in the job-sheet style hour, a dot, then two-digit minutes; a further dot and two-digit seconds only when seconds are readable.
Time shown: 12.25
